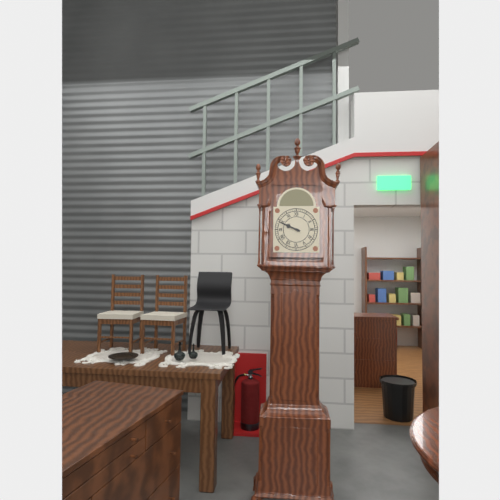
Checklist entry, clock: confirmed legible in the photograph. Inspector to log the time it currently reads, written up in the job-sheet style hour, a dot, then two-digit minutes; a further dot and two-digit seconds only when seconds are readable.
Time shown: 9.49
